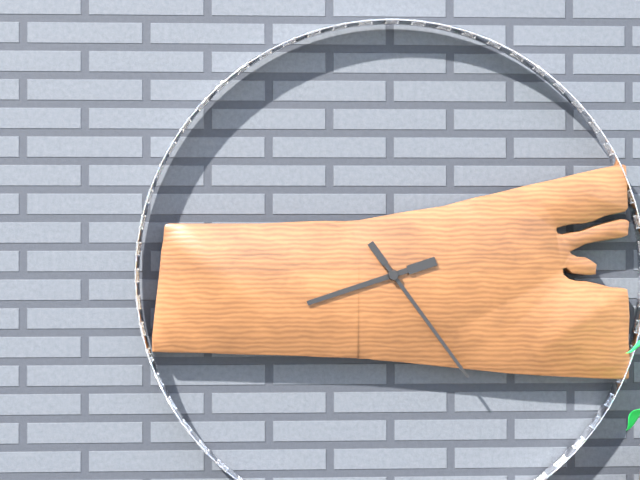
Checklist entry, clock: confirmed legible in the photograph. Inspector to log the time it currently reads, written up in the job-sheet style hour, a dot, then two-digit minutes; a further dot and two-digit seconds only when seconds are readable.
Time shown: 8.24
